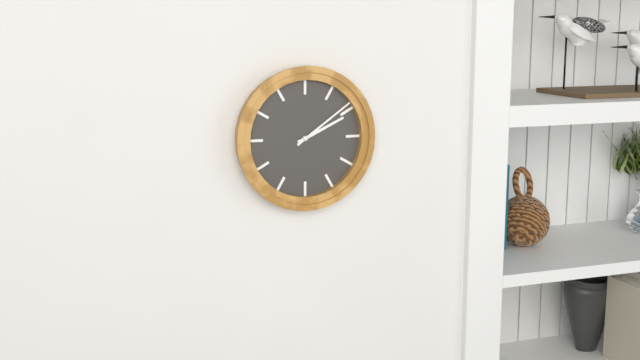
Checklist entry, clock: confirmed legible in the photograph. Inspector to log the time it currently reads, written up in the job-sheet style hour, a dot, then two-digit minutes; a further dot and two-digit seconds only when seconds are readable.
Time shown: 2.09
